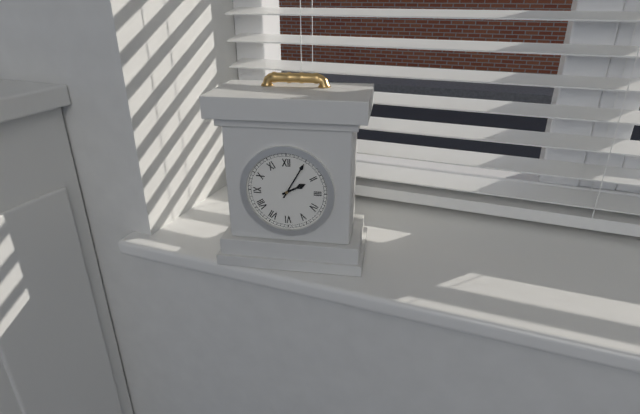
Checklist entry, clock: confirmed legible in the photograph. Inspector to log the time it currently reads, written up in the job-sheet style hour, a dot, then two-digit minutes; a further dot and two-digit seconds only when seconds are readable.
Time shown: 2.05
